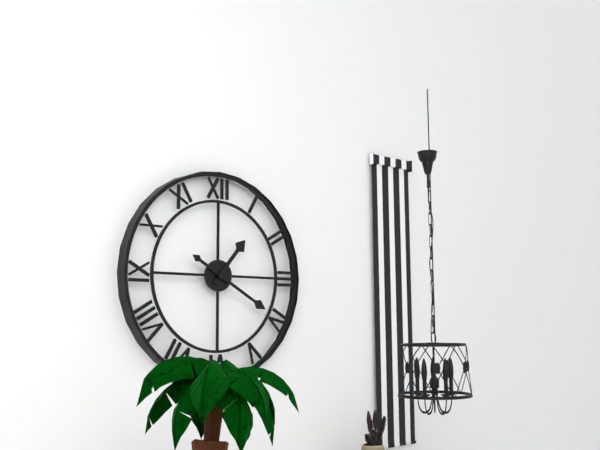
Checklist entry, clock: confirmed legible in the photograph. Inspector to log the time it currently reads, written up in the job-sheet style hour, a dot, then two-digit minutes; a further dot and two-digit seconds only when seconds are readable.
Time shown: 1.20
